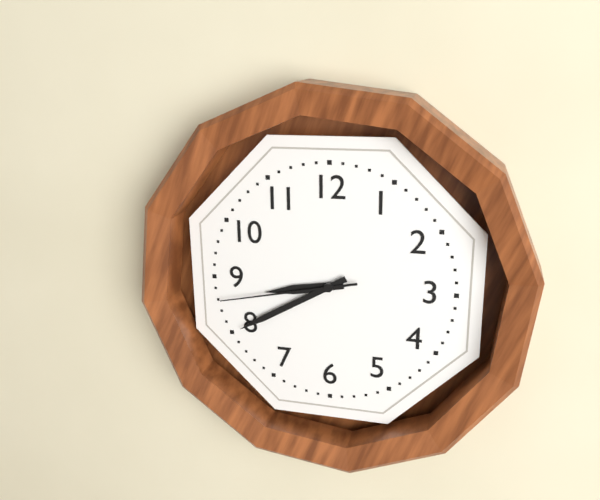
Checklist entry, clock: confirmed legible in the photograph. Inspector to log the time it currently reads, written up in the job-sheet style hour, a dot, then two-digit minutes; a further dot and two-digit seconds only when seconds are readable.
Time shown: 8.40.43
